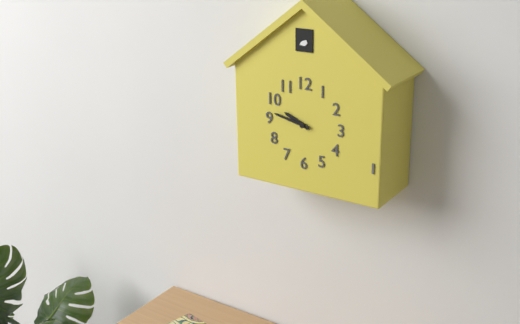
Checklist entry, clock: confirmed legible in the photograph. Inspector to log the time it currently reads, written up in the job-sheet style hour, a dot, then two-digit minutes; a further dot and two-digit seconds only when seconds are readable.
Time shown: 9.47
